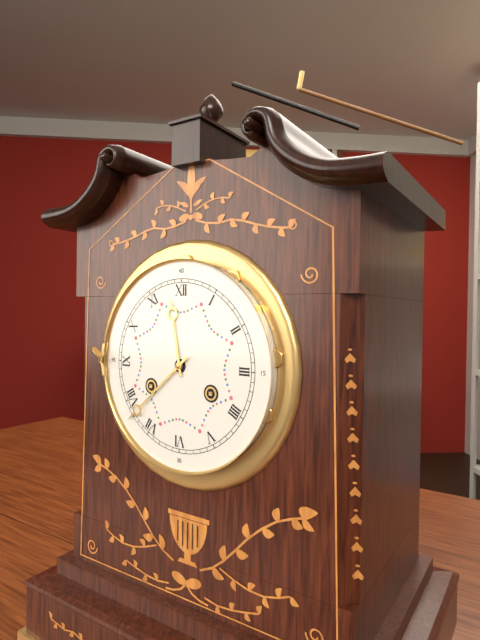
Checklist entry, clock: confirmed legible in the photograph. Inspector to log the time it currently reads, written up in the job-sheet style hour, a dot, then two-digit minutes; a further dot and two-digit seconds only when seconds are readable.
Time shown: 11.38
